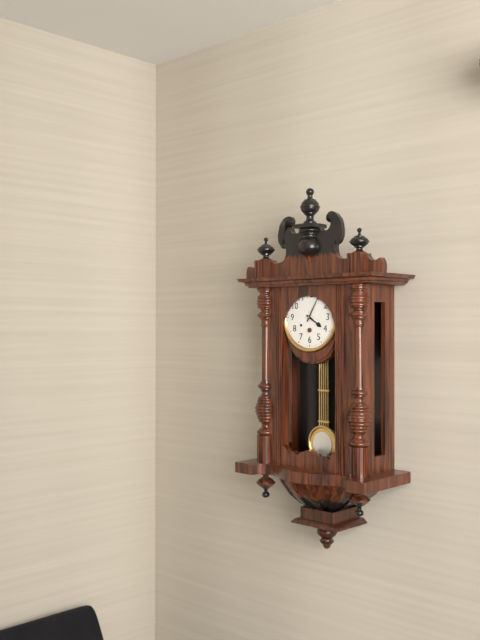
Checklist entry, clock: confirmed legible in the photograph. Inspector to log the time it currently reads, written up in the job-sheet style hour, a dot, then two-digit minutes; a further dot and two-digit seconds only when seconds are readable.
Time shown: 4.05
